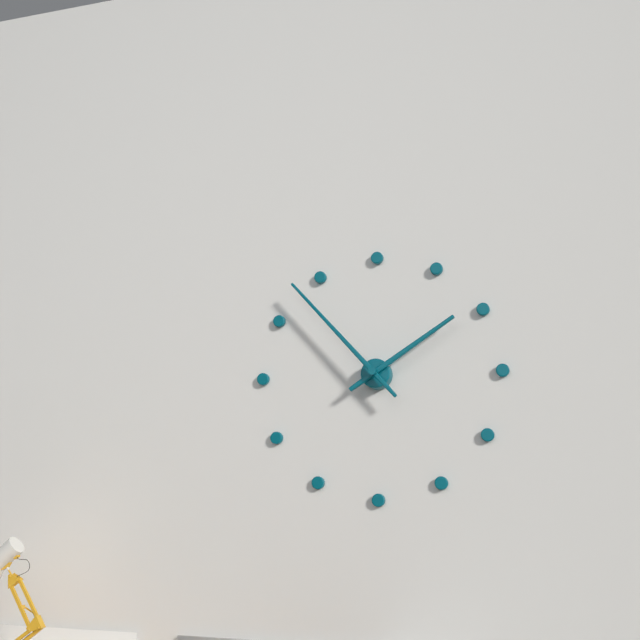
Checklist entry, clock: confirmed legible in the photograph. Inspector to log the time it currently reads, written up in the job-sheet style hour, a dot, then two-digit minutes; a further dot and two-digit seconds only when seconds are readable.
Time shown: 1.53
